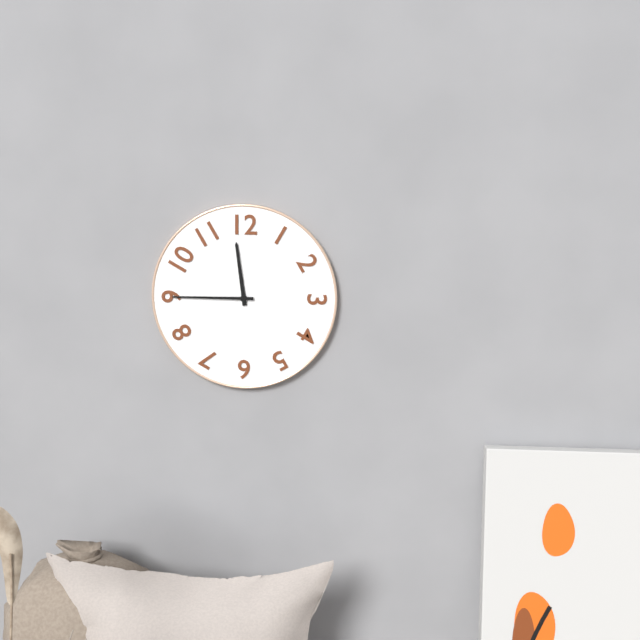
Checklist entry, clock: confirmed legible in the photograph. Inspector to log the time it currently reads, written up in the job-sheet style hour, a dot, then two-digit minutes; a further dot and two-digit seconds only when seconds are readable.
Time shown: 11.45
